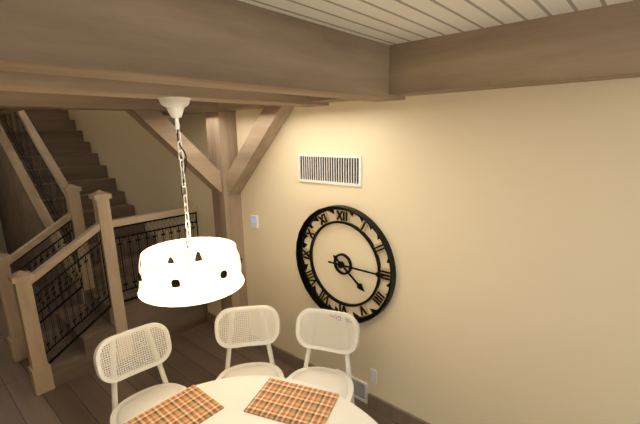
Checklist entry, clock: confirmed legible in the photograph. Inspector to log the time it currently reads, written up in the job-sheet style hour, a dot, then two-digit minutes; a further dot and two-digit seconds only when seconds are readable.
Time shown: 4.15
